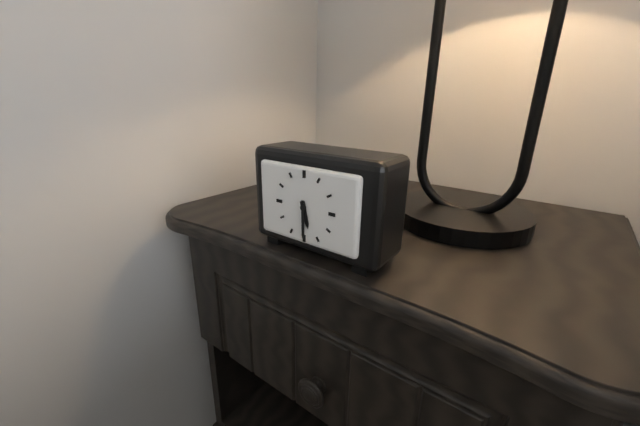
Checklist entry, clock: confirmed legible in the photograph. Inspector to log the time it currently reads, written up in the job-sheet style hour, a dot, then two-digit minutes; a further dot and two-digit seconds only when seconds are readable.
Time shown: 5.30
